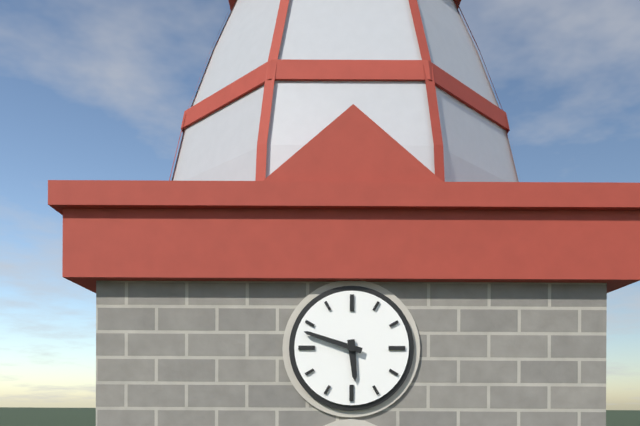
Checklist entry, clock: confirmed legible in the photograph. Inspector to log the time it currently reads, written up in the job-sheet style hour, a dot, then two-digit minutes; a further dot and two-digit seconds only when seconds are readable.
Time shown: 5.48
